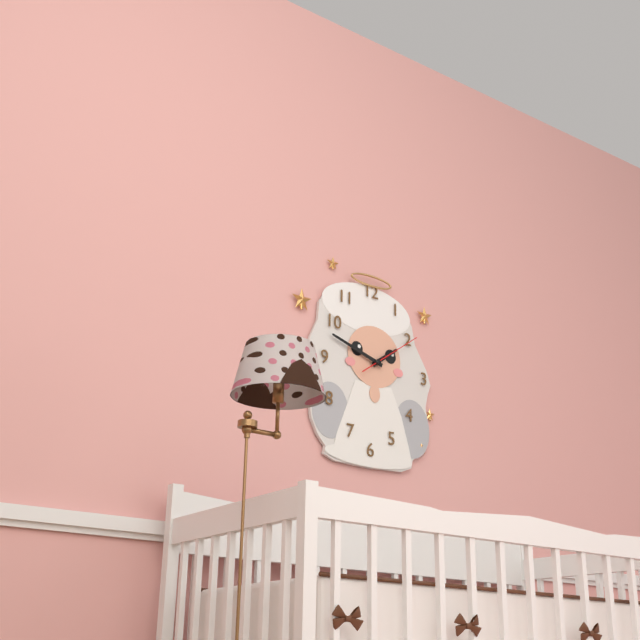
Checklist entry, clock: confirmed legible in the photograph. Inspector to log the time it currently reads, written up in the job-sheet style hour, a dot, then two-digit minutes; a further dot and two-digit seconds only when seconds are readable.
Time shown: 1.48.09
